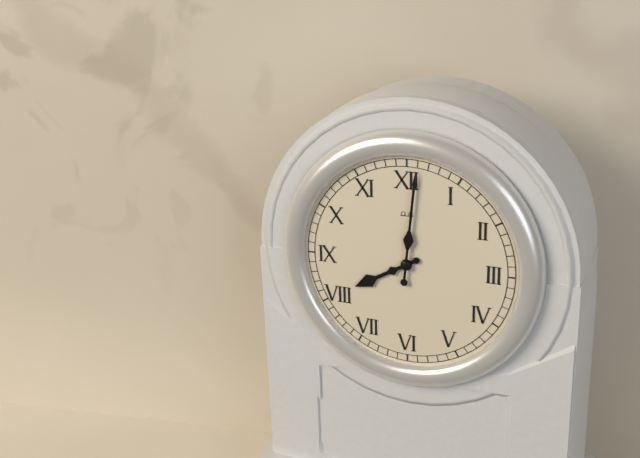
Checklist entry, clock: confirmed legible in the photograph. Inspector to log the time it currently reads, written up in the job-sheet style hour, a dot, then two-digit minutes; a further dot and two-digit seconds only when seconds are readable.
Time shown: 8.01
